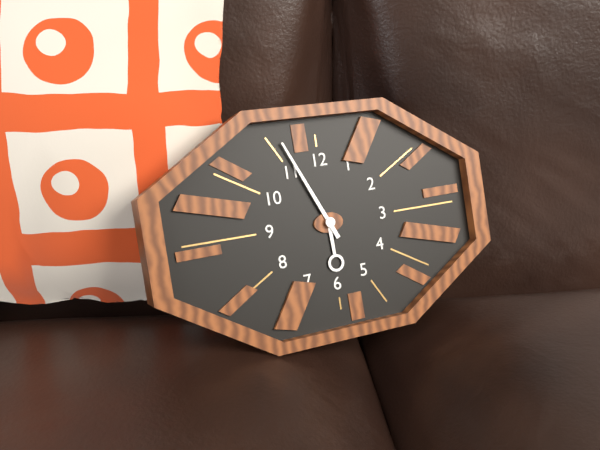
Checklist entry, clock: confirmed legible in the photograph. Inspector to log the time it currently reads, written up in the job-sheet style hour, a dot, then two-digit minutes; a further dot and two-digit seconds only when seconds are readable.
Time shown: 5.56
